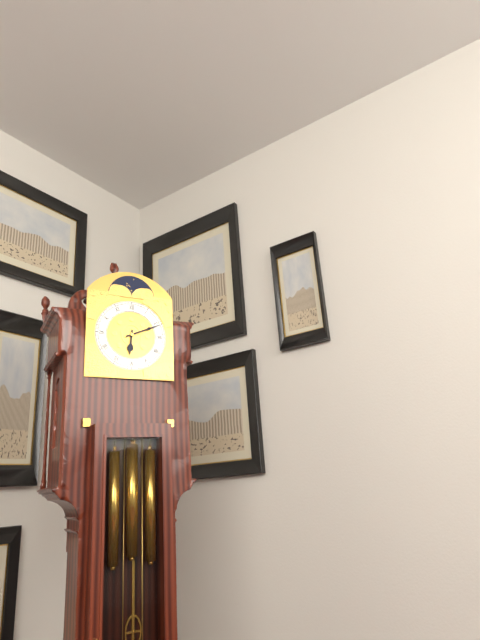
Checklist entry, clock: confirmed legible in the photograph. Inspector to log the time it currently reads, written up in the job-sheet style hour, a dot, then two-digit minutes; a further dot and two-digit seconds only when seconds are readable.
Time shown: 6.11
